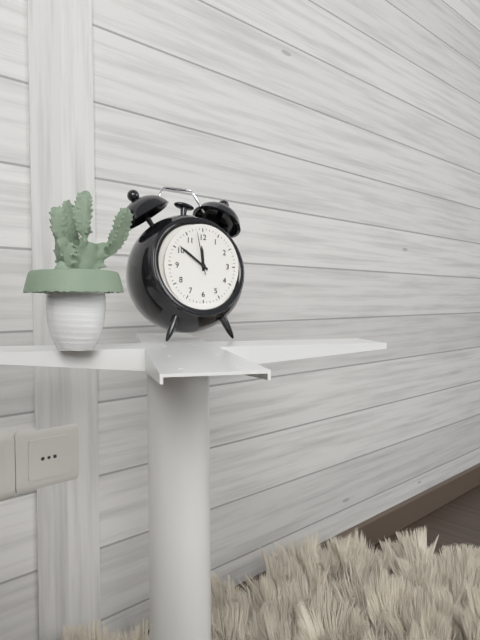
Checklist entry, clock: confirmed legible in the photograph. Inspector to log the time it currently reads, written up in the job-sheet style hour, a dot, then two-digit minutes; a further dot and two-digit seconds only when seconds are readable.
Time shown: 11.51
